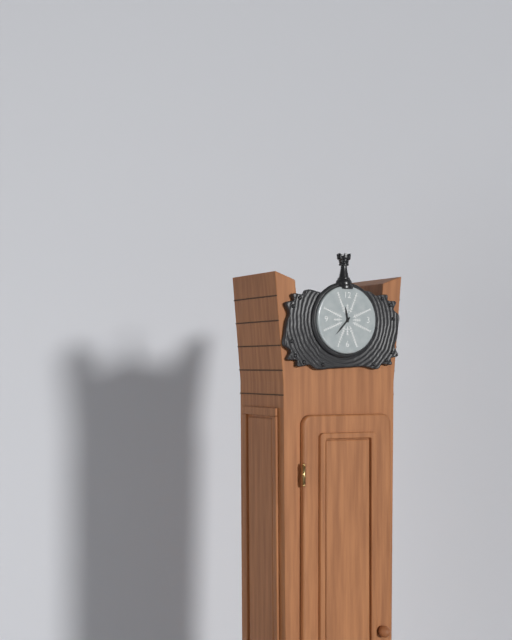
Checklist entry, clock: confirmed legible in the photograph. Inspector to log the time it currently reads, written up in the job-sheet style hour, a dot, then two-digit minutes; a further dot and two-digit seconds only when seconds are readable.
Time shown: 11.37
